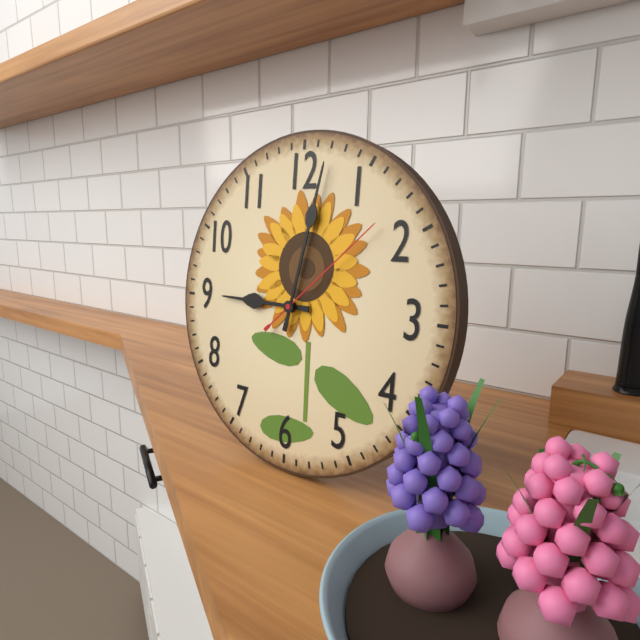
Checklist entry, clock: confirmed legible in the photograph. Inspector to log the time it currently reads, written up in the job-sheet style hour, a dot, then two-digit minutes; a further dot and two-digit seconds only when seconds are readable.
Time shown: 9.02.08
